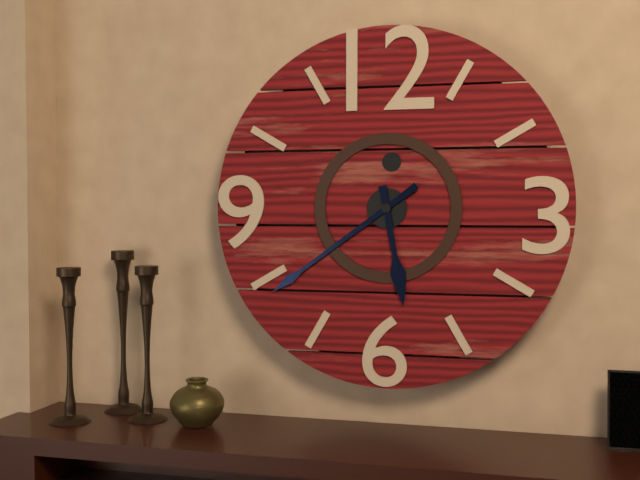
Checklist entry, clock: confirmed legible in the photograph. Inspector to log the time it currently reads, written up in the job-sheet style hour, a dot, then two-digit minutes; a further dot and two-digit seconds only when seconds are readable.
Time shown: 5.39
